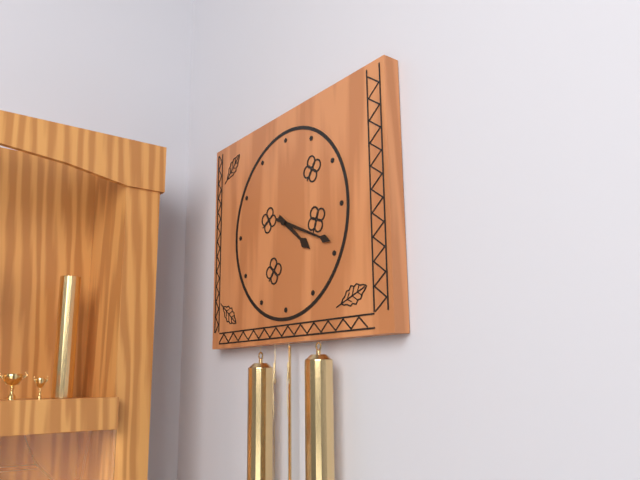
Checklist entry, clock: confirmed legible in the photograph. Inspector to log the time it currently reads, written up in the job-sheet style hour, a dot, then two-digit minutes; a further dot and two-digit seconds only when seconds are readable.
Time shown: 4.19
